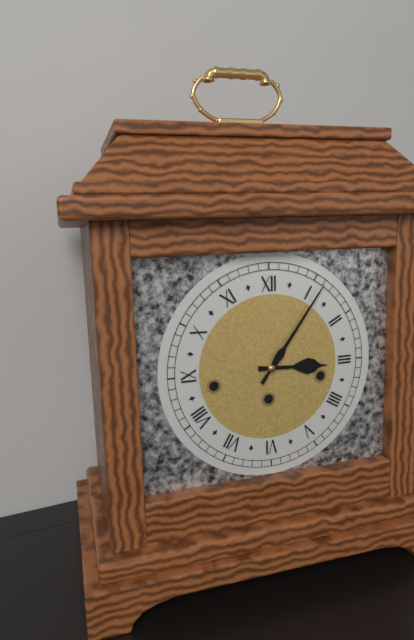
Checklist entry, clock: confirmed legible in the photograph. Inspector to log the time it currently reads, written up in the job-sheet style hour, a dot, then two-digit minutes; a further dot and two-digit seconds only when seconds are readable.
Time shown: 3.06
